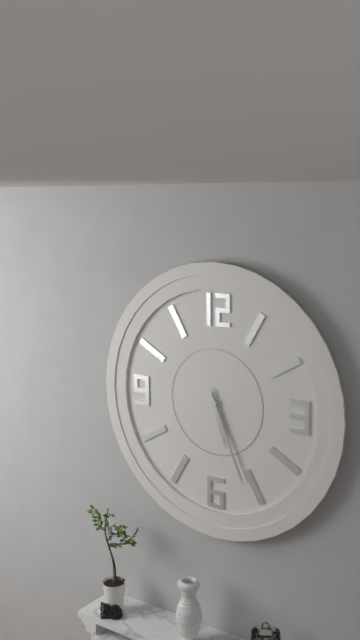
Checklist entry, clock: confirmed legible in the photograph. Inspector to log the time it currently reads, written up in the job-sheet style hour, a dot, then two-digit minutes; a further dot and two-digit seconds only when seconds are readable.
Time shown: 5.26
